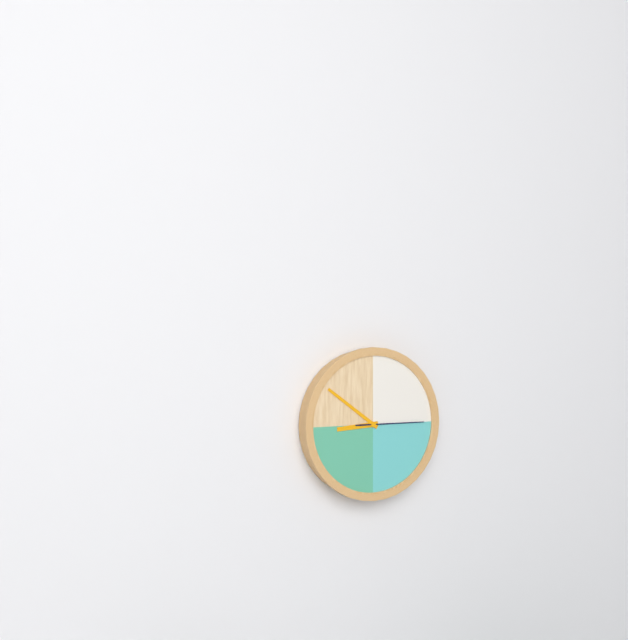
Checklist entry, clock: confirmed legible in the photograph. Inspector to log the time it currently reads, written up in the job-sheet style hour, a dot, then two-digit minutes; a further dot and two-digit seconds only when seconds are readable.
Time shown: 8.51.15
